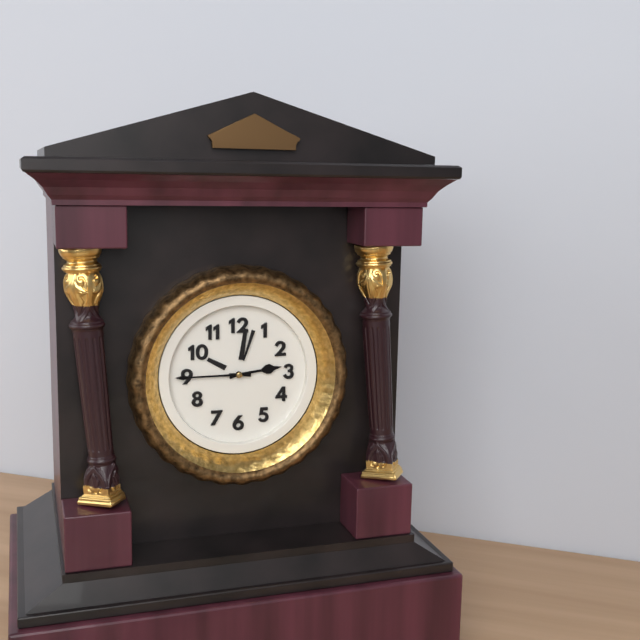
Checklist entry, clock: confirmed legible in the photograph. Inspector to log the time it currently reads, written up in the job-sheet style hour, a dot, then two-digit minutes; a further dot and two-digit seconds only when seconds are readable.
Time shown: 2.45
